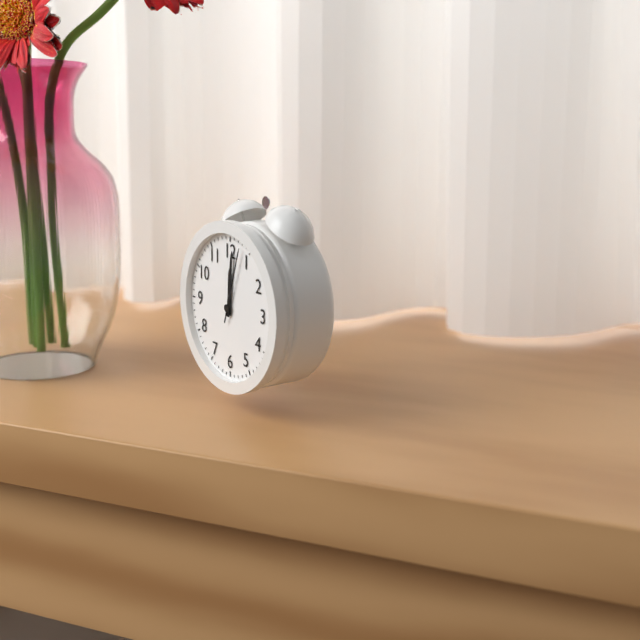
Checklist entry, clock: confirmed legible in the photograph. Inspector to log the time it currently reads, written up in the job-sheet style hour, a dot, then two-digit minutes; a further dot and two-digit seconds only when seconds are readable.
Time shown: 12.01.03
